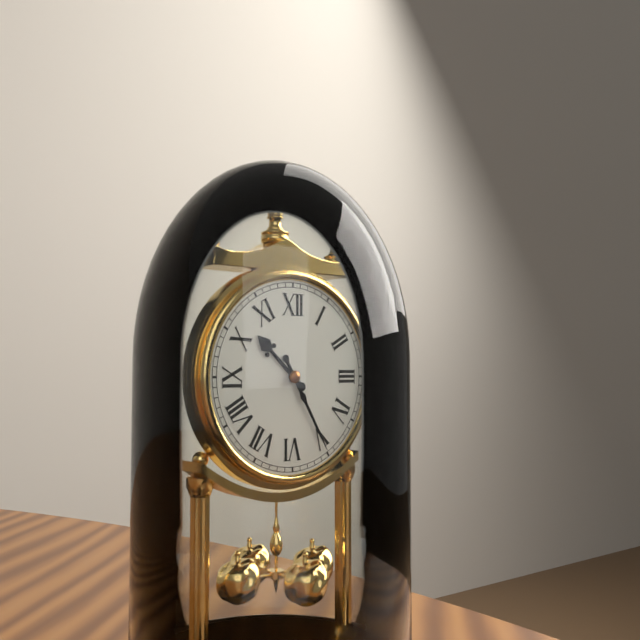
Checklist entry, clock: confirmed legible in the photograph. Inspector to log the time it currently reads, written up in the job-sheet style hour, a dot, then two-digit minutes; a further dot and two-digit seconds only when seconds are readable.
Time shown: 10.25
